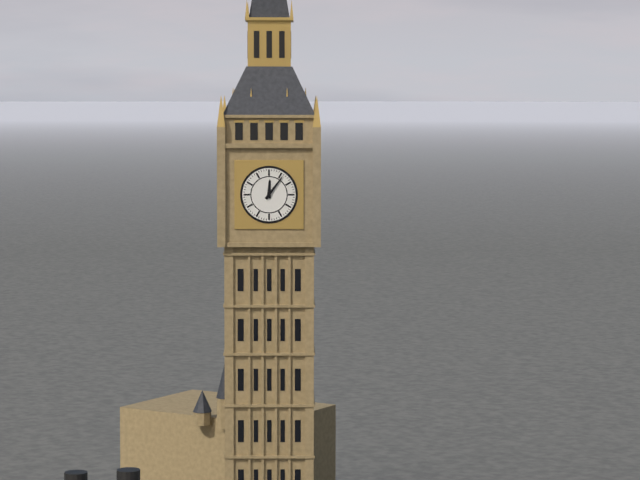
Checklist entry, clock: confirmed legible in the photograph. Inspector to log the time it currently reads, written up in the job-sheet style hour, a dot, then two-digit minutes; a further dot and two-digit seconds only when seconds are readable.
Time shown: 12.06
